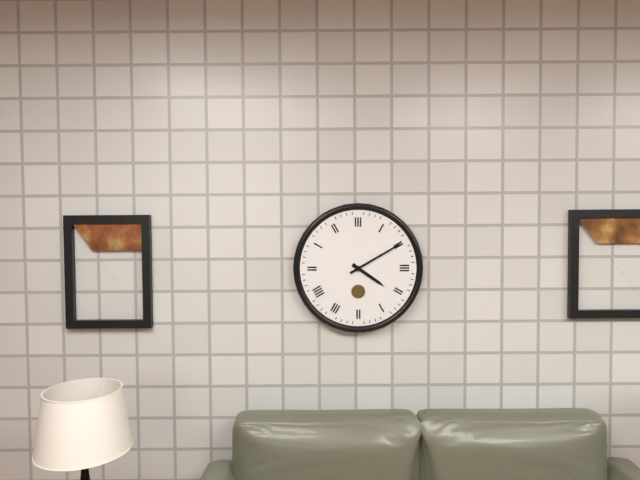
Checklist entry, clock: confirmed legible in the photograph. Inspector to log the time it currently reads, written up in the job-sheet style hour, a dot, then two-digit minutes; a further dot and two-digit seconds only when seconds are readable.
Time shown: 4.10
